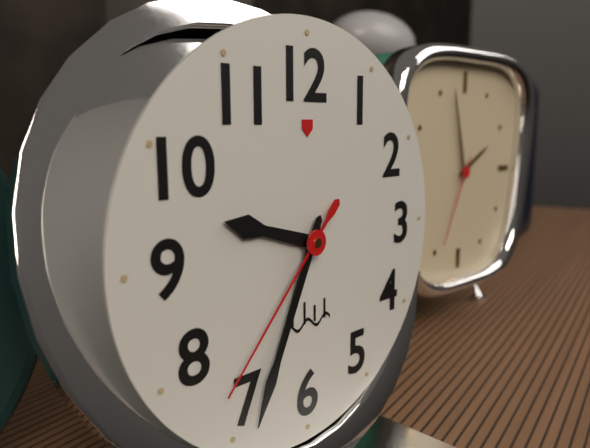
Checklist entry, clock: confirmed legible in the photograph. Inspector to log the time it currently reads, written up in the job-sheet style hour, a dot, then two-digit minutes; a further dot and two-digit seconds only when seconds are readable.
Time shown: 9.34.37
